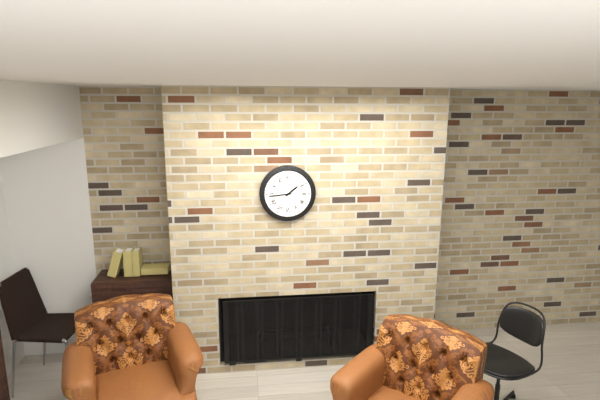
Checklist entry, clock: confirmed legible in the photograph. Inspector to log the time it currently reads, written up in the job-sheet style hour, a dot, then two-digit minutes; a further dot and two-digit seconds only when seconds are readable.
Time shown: 1.44
